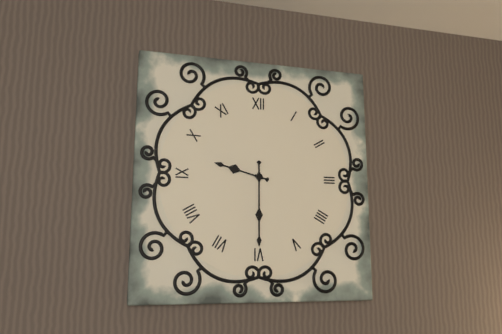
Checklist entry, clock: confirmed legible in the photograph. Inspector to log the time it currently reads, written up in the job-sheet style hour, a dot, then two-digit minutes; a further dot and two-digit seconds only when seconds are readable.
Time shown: 9.30
